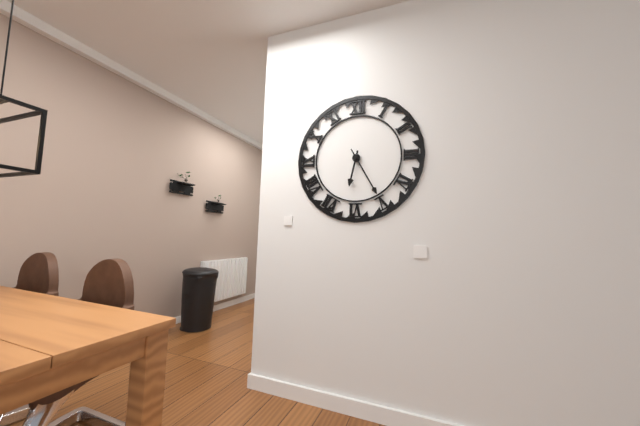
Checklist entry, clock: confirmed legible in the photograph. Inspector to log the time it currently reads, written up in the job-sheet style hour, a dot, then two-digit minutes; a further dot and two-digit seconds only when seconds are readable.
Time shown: 6.25
